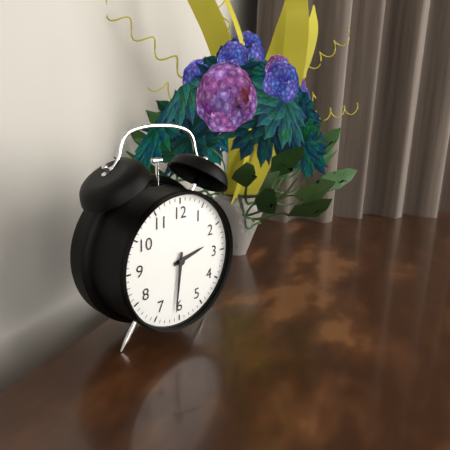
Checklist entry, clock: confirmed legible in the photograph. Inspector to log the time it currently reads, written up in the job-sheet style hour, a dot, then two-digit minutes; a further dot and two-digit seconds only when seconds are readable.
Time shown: 2.31
